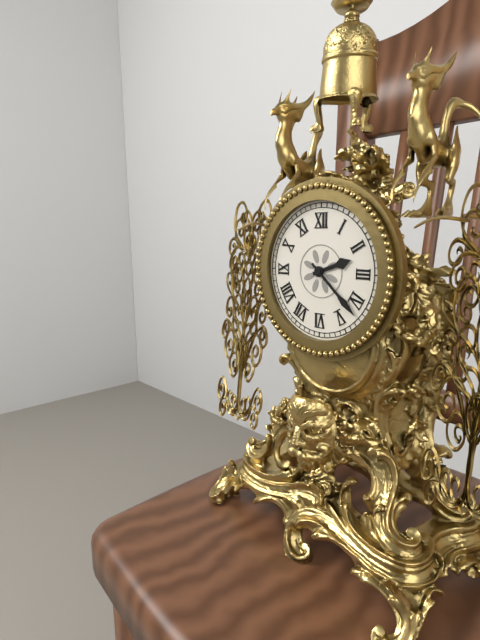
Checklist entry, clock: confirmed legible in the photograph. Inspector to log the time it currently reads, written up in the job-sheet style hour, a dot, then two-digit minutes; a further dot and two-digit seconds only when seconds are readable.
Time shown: 2.22
